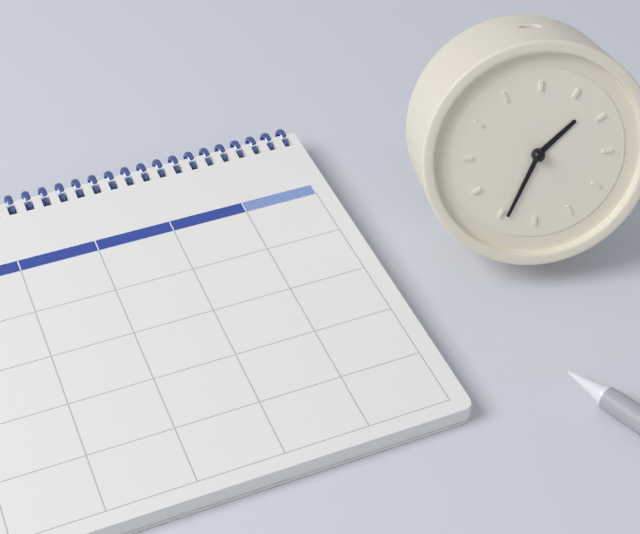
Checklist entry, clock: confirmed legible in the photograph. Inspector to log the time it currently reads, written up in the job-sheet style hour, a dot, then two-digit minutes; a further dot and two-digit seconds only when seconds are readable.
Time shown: 1.34
